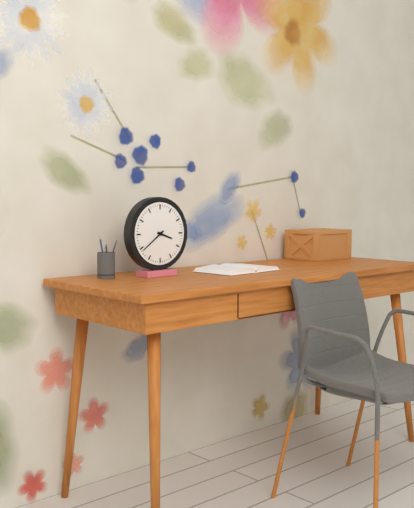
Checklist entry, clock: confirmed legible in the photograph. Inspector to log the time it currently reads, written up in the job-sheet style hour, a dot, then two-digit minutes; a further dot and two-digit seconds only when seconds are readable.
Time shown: 3.39
